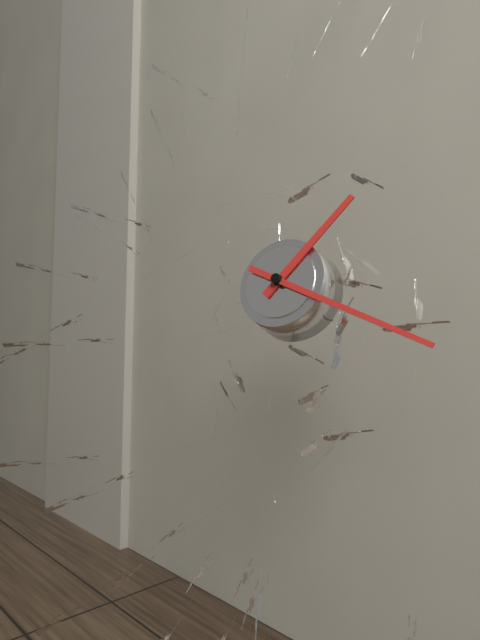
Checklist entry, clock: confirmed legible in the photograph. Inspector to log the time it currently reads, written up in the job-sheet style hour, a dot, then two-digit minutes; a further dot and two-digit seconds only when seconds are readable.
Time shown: 1.19
